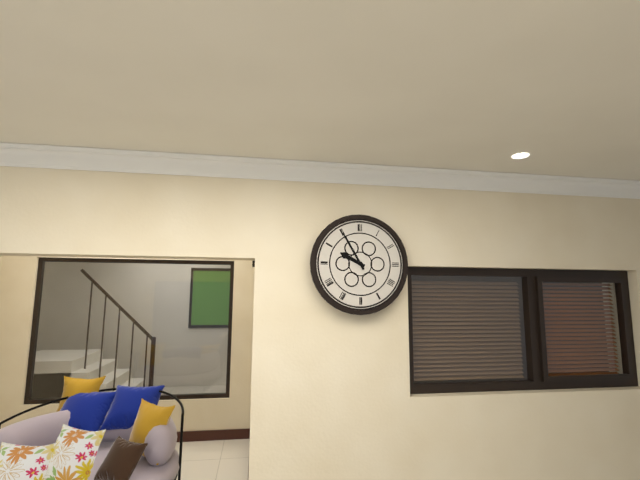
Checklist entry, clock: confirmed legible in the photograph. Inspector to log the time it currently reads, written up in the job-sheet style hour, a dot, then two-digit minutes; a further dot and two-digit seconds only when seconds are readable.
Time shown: 9.55
